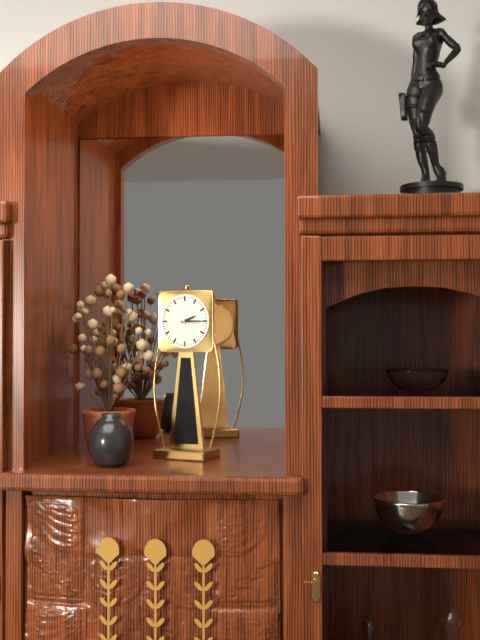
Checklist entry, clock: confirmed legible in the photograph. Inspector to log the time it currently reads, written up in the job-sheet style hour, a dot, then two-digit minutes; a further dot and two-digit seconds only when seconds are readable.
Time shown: 2.15
